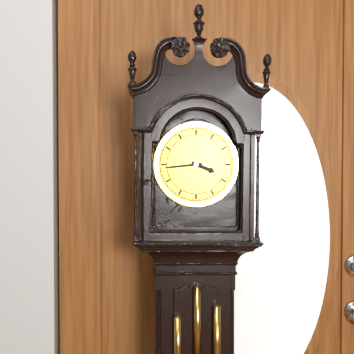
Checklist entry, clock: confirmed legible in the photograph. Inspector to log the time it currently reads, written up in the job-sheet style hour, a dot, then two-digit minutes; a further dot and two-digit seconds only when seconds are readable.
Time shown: 3.44
